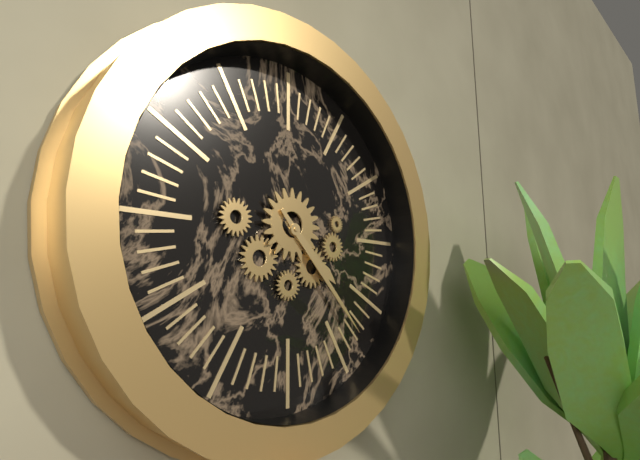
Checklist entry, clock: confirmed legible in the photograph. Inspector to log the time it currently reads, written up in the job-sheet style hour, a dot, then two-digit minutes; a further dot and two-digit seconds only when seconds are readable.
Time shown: 4.23
